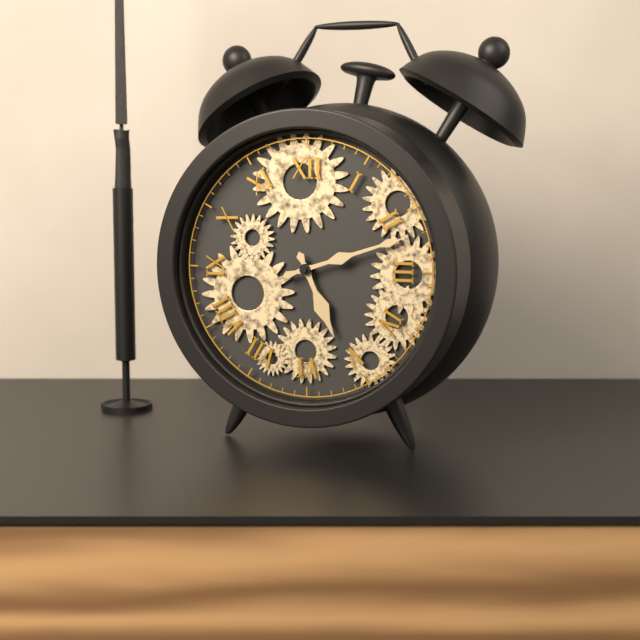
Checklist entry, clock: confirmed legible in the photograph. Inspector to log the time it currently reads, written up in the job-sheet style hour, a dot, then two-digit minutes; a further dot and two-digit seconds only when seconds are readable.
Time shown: 5.12
